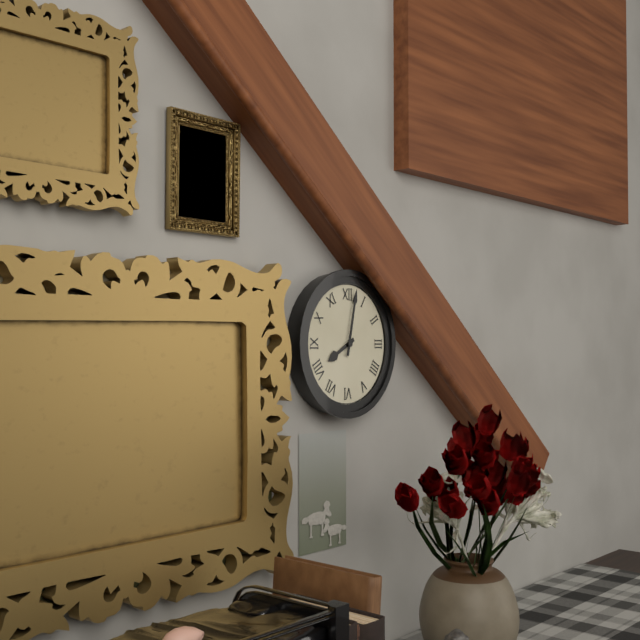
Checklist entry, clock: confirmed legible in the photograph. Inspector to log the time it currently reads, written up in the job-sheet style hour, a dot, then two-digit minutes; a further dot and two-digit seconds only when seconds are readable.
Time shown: 8.02
